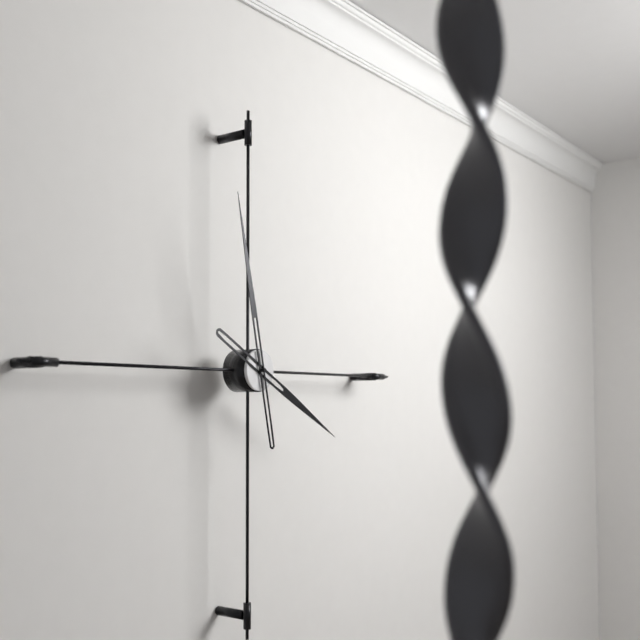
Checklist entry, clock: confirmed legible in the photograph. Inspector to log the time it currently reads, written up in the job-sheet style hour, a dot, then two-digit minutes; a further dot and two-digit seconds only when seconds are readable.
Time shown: 3.58
